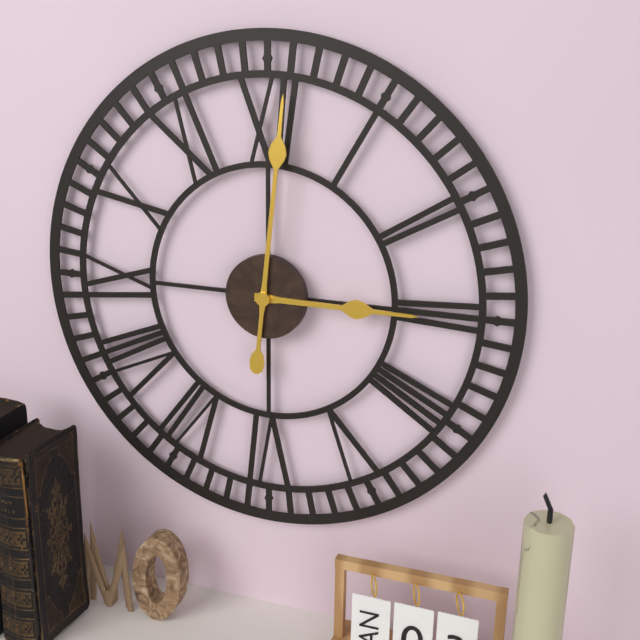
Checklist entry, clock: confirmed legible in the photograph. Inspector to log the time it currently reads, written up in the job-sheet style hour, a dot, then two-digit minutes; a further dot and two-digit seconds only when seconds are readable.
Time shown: 3.01
